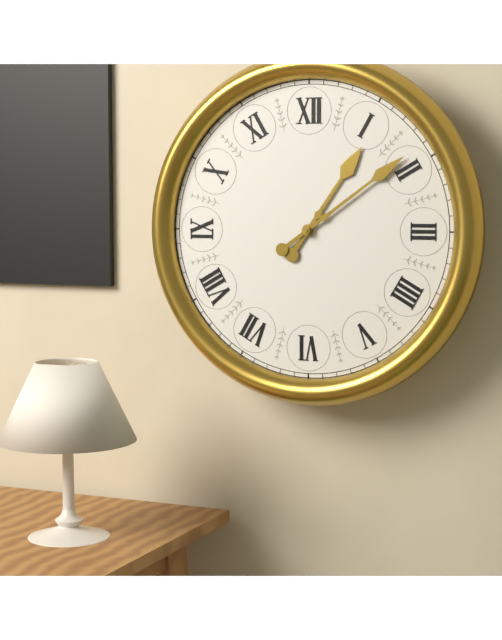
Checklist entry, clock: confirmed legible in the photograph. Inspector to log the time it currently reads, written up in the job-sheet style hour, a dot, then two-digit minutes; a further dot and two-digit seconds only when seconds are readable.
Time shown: 1.09
